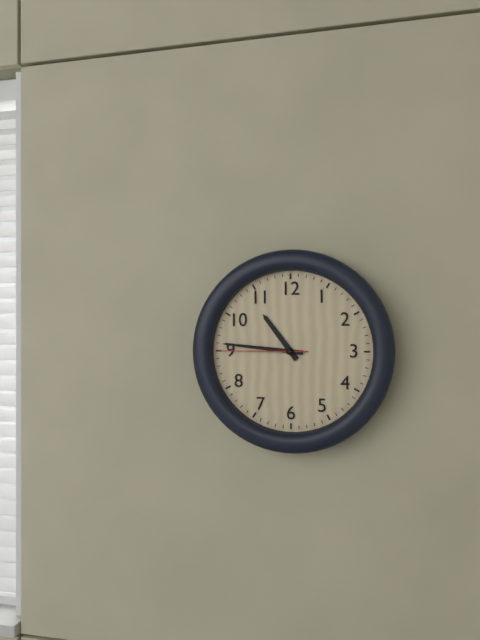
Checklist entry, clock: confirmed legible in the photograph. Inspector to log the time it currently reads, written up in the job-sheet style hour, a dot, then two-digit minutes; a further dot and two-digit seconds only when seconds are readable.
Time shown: 10.46.45
